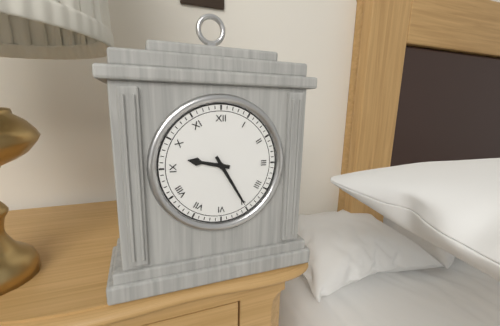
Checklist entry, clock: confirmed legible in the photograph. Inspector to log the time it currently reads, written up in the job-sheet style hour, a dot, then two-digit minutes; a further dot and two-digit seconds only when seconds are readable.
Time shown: 9.25
